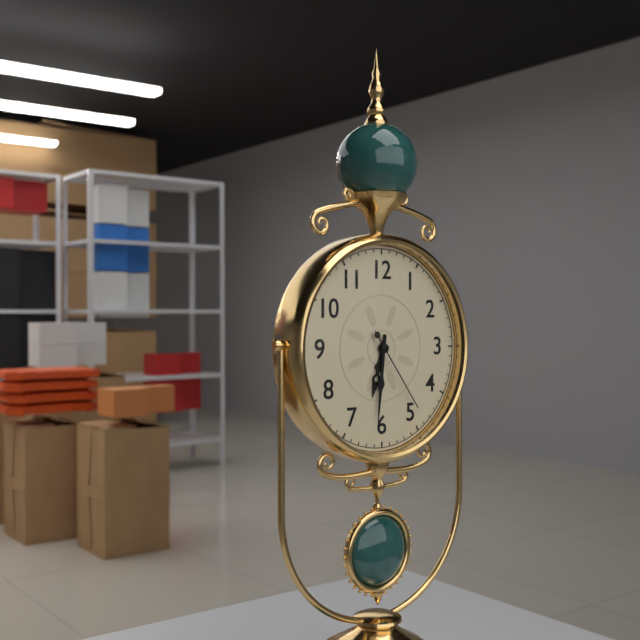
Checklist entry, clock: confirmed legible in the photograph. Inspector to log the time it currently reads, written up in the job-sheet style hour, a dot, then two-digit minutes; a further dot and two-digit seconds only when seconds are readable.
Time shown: 6.31.24
